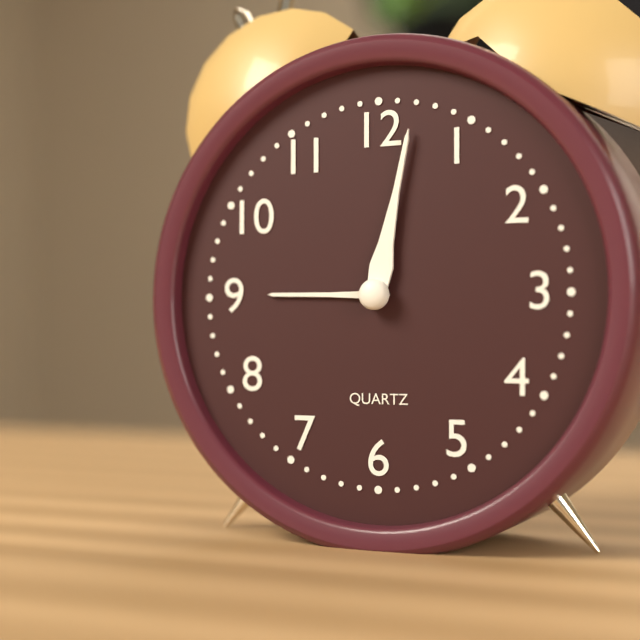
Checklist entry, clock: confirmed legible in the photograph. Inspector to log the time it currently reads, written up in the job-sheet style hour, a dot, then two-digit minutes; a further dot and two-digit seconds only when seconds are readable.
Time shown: 9.02
